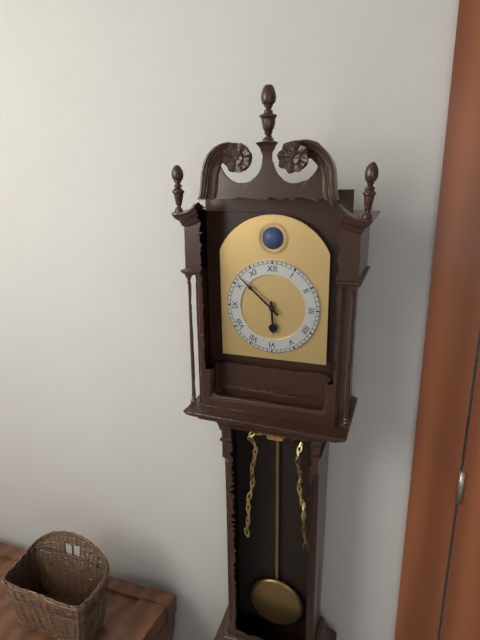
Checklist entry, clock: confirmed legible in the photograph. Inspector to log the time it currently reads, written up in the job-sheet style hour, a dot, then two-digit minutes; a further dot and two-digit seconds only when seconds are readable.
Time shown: 5.52
